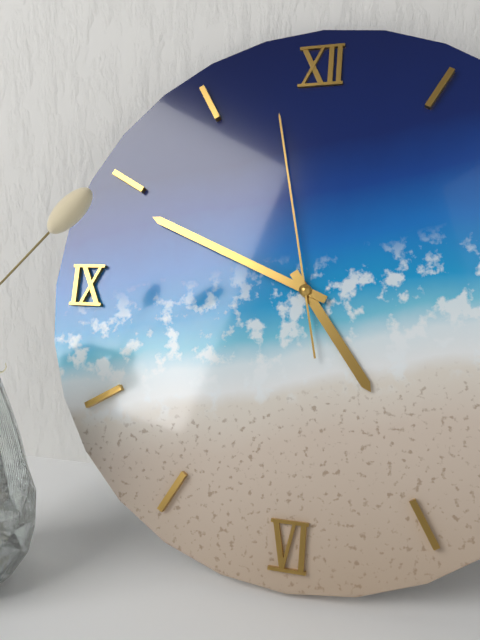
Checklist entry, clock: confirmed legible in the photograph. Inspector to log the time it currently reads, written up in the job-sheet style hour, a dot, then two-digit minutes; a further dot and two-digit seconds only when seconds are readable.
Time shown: 4.49.58
